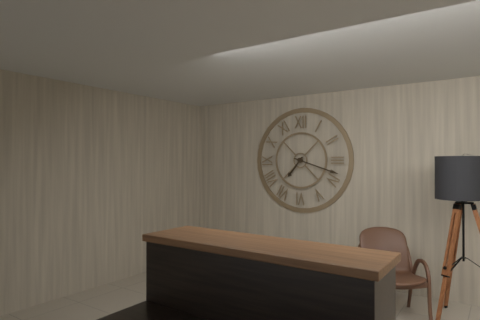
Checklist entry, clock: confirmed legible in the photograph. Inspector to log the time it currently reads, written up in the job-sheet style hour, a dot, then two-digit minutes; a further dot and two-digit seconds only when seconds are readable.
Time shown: 7.18
